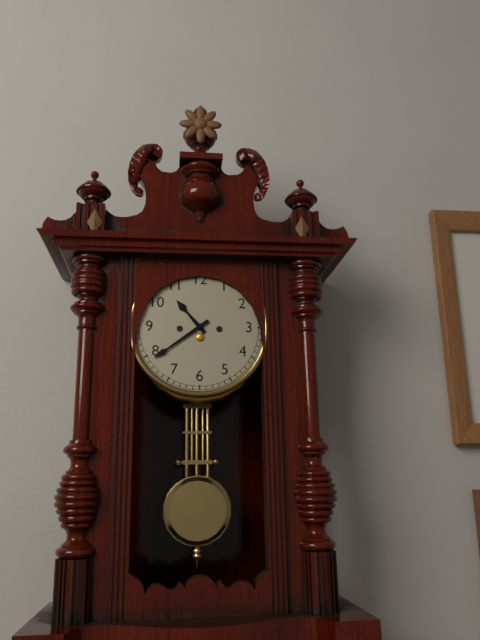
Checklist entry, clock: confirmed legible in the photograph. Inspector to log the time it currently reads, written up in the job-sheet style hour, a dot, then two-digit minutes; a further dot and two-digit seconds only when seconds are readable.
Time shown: 10.39
